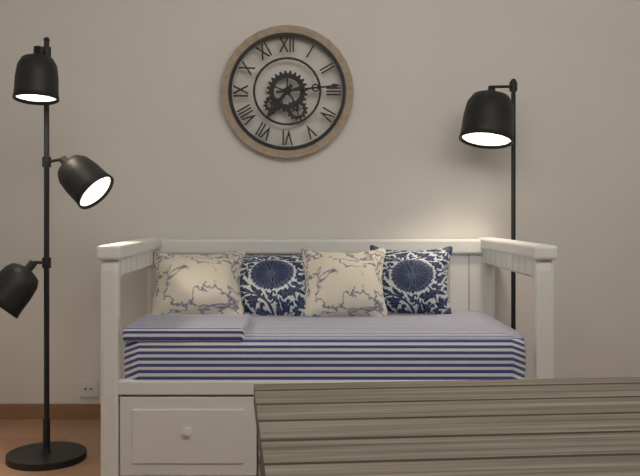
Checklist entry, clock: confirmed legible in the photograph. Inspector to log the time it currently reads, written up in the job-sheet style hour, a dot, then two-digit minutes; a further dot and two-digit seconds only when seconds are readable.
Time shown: 7.14
